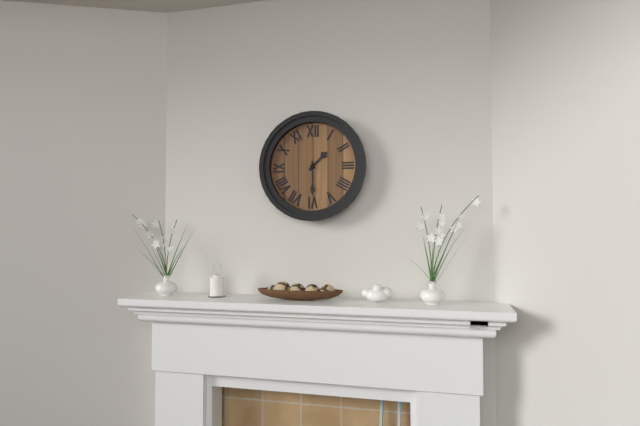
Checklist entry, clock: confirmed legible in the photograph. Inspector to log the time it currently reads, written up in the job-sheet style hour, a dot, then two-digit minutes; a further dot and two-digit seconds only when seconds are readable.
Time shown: 1.30
